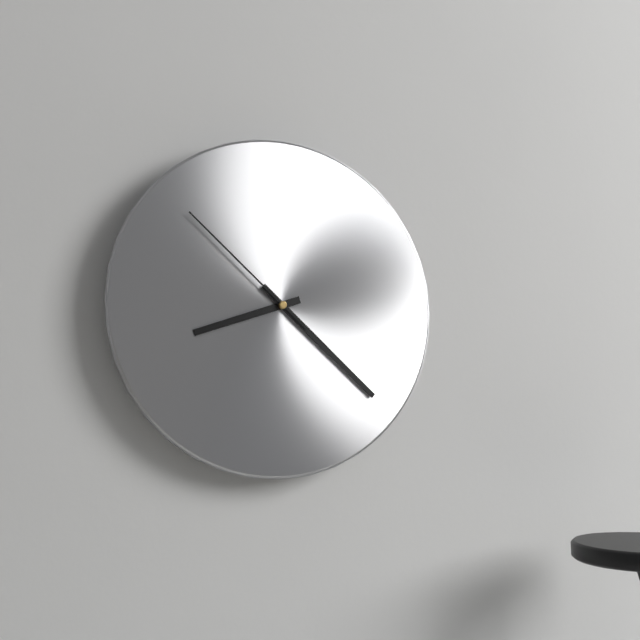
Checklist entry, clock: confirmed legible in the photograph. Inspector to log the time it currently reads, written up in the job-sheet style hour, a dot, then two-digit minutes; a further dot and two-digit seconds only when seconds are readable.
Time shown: 8.22.52
